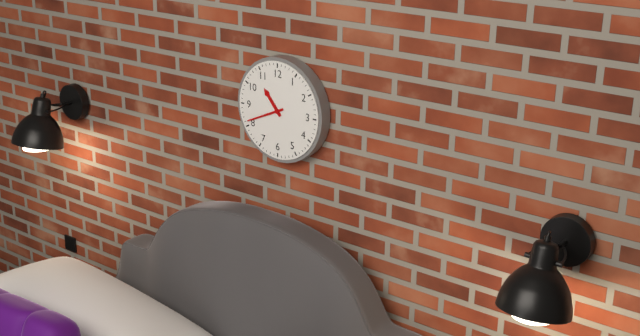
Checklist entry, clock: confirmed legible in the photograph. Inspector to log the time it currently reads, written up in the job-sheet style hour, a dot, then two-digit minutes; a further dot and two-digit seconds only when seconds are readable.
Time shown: 10.41
